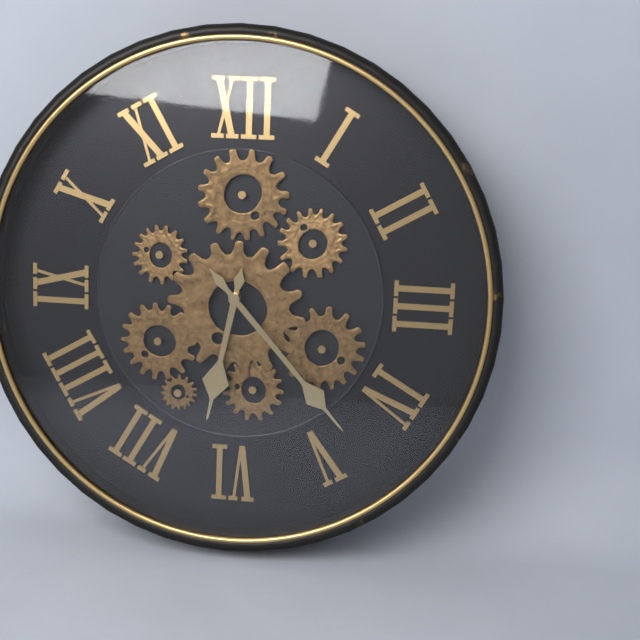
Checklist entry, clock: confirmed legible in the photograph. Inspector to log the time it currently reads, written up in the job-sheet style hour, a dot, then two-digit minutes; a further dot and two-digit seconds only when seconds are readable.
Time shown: 6.23
